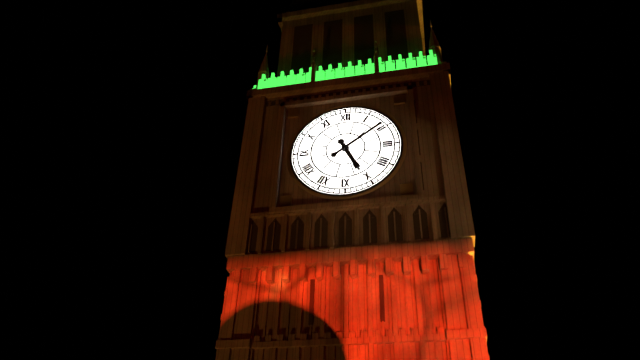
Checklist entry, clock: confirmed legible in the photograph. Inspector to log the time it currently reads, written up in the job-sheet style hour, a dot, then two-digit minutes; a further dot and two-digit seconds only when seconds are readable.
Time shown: 5.09
